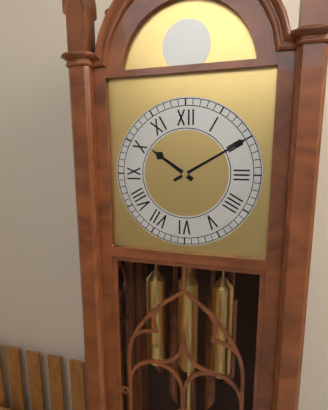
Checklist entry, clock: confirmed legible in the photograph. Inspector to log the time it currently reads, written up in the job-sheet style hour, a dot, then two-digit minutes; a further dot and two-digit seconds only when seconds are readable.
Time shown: 10.10
